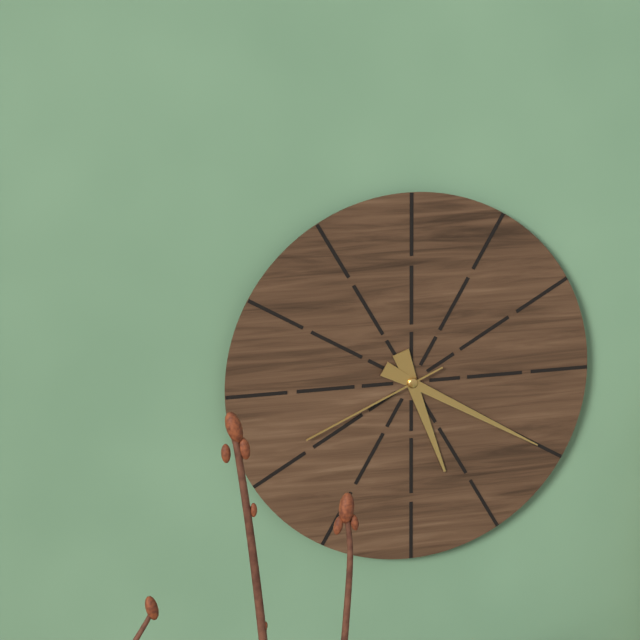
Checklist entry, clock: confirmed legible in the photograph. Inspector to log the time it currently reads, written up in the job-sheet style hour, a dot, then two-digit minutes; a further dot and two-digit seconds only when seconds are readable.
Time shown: 5.20.41
